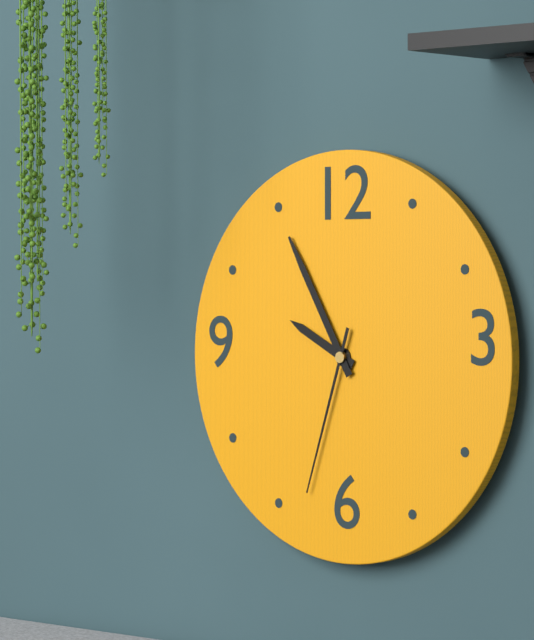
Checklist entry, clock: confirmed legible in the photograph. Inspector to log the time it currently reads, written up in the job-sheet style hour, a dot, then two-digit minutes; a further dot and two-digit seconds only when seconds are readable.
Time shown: 9.55.33
